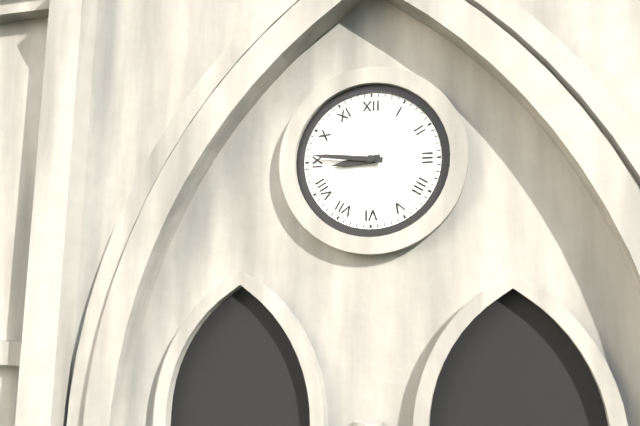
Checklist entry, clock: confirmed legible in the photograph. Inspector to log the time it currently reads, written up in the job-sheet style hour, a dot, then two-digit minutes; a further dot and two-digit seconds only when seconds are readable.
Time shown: 8.46
